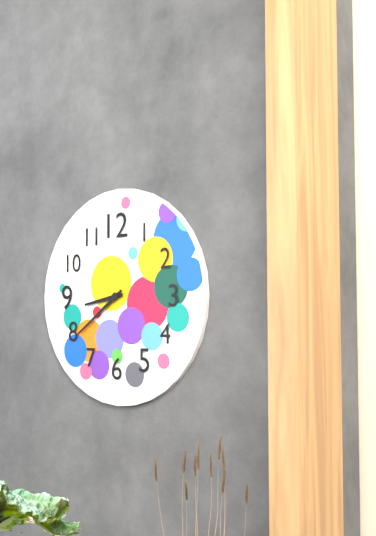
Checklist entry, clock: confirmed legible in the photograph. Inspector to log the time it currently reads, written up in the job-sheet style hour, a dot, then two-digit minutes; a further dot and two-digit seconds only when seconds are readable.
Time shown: 8.39
